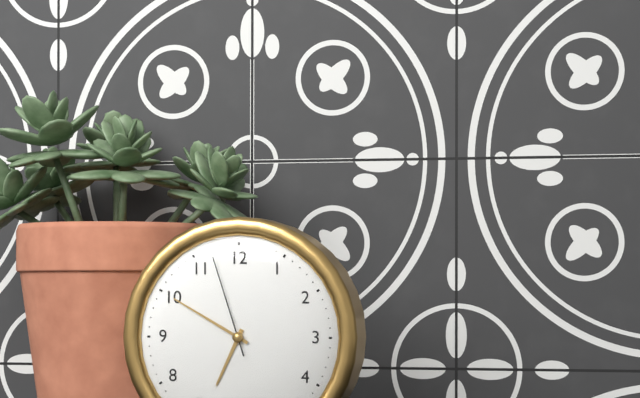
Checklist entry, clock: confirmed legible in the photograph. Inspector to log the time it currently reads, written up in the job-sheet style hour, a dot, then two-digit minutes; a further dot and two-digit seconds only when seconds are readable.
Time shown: 6.50.57
